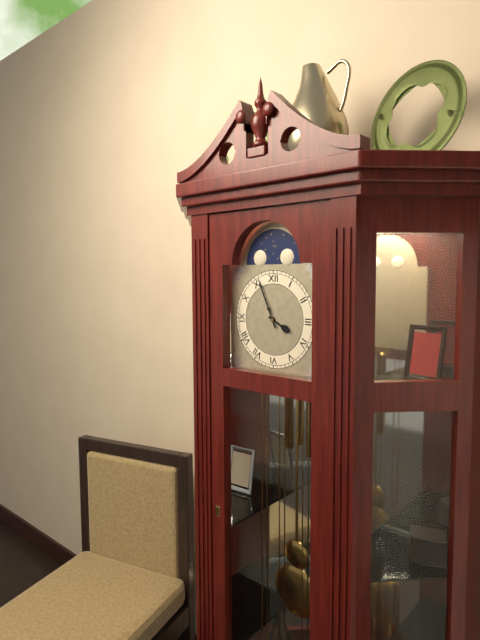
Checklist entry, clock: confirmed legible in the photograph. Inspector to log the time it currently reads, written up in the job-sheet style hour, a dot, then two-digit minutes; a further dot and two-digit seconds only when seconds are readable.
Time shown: 3.56
